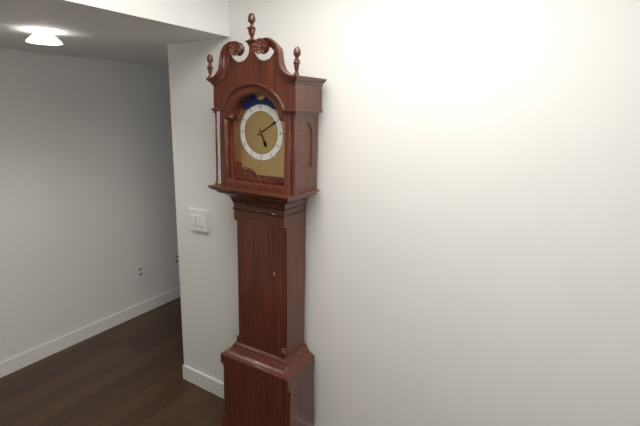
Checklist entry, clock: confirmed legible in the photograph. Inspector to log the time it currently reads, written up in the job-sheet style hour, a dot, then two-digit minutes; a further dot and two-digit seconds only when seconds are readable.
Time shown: 5.10
